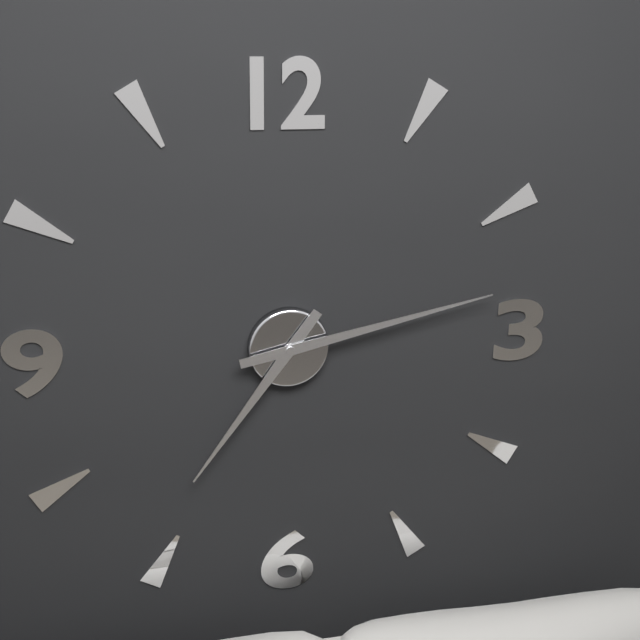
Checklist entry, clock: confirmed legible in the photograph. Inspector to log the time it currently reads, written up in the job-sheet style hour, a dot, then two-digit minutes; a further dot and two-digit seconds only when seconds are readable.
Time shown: 7.13
